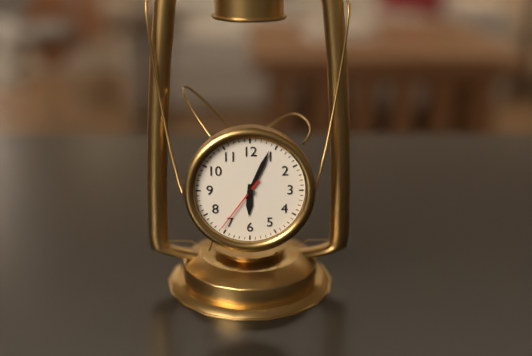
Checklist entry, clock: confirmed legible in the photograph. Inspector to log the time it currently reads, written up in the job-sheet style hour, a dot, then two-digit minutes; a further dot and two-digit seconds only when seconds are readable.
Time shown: 6.04.36
